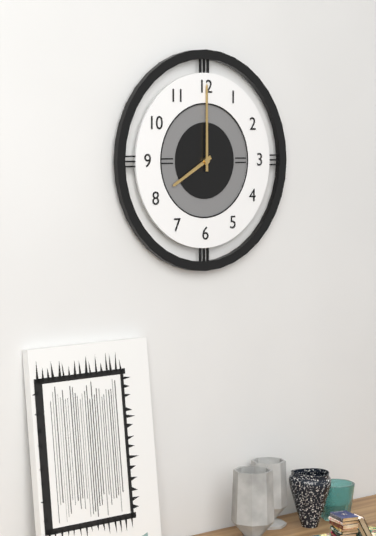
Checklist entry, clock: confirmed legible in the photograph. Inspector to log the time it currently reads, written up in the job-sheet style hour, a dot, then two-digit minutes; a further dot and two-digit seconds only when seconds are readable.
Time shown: 8.00
